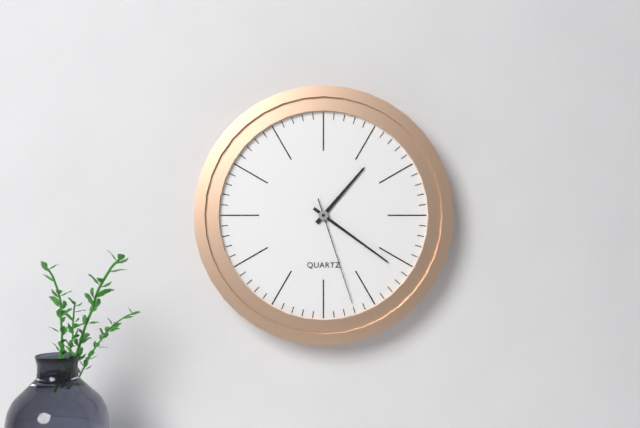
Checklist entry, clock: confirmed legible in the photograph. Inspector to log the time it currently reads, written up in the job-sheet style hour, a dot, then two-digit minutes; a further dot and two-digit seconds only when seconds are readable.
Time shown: 1.21.27
